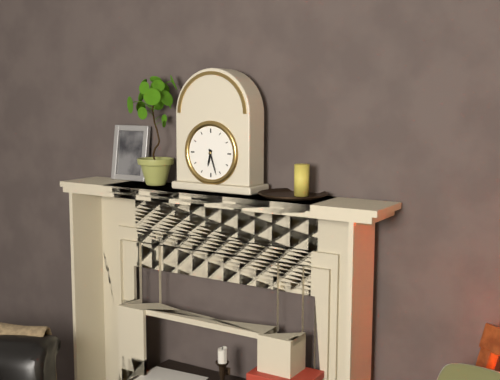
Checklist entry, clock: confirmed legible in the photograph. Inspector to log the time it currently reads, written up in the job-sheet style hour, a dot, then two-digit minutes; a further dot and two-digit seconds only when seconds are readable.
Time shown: 6.27
